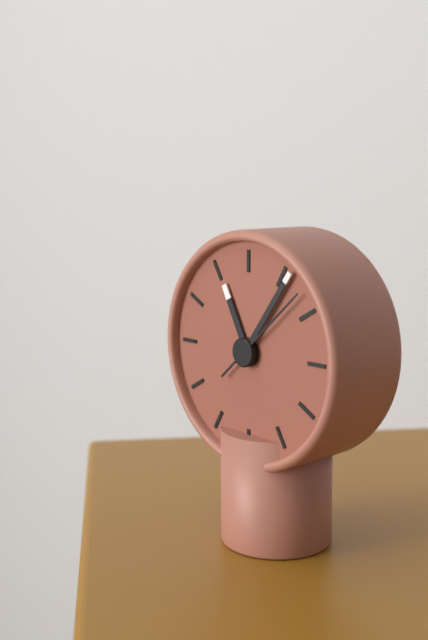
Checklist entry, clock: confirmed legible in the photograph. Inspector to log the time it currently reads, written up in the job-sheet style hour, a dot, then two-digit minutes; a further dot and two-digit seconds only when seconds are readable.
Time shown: 11.06.08
